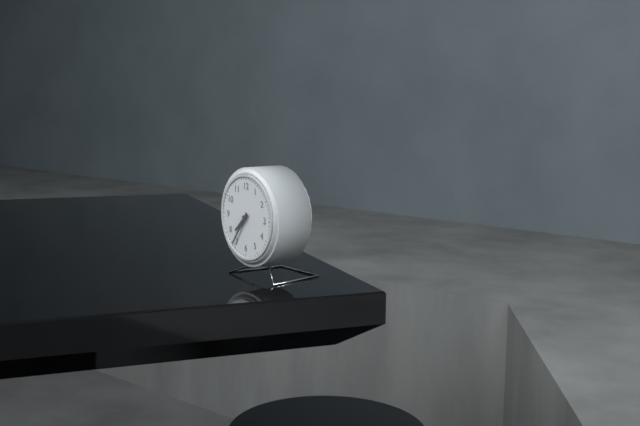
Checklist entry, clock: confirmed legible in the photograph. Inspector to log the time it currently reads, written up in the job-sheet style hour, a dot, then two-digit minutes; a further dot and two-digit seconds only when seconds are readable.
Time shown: 7.36
